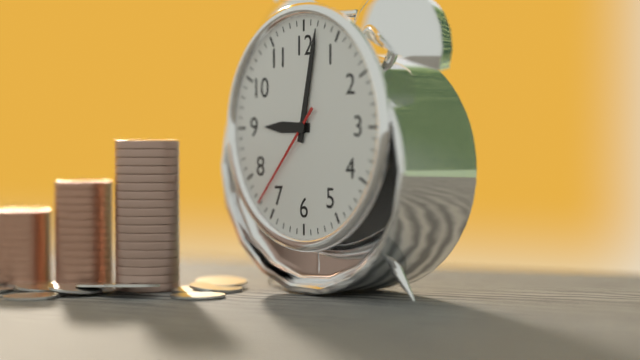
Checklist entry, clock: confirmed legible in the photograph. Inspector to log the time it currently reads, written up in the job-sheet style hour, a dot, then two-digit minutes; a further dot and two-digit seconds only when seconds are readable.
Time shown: 9.02.37
